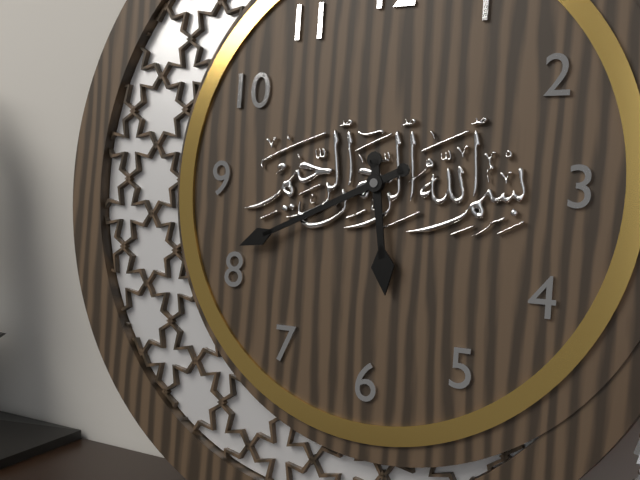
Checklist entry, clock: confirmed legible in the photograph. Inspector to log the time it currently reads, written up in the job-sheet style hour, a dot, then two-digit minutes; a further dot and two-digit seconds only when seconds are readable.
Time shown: 5.41
